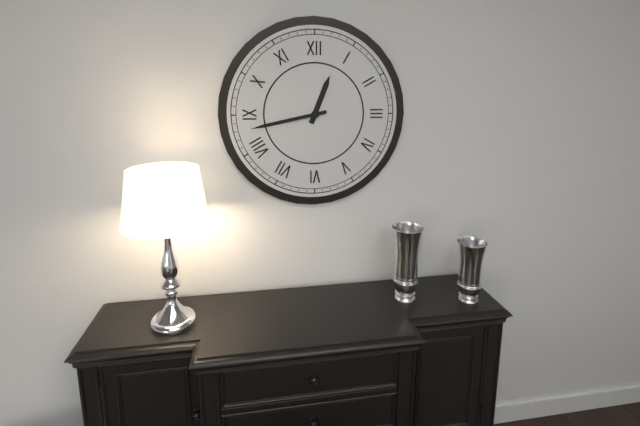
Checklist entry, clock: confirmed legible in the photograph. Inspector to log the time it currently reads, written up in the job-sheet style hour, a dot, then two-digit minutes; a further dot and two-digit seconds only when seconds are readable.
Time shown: 12.43
